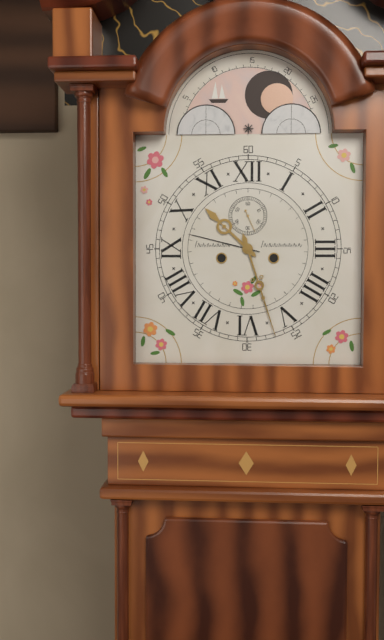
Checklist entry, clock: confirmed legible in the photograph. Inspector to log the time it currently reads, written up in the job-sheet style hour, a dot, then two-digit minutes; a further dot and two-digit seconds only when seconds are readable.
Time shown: 10.27
